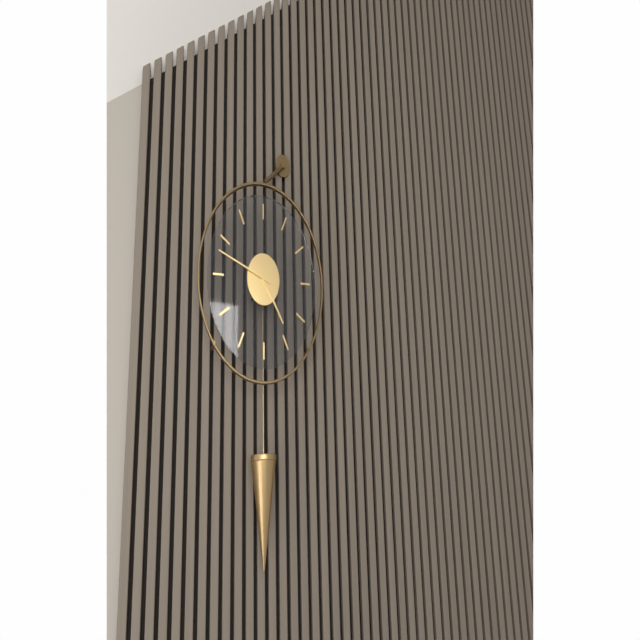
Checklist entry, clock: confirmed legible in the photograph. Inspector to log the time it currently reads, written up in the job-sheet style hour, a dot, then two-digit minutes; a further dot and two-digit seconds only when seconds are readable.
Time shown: 4.48
